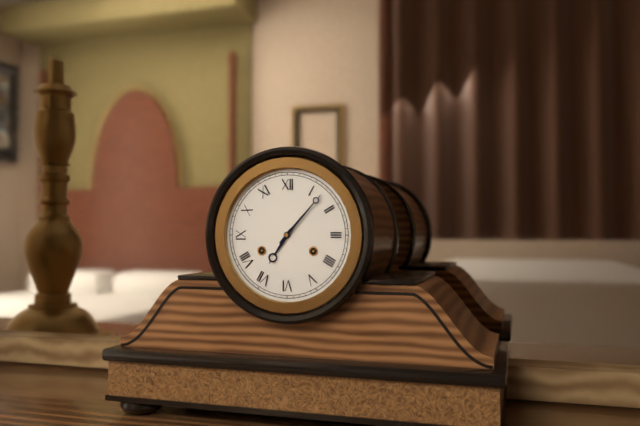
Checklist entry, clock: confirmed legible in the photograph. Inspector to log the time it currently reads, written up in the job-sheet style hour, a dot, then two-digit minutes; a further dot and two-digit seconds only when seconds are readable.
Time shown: 7.07
